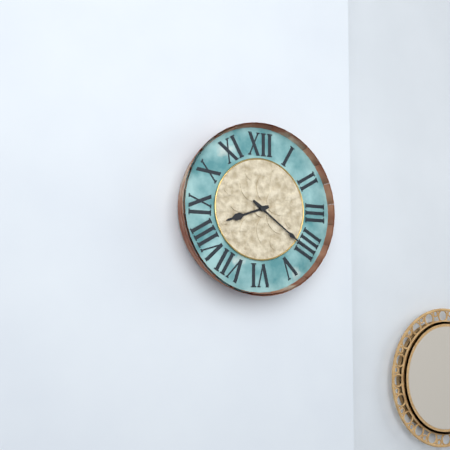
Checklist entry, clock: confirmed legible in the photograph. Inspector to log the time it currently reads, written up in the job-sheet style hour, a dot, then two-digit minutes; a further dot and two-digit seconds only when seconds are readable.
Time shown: 8.21
